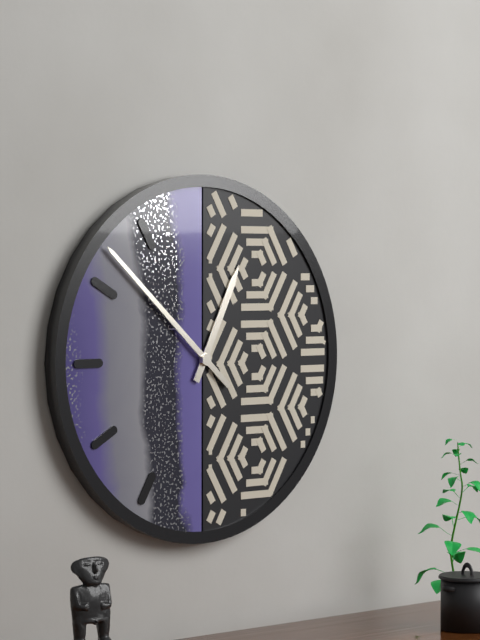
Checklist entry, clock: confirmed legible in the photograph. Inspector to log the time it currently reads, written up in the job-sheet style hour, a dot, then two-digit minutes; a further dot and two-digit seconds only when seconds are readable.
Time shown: 12.52
